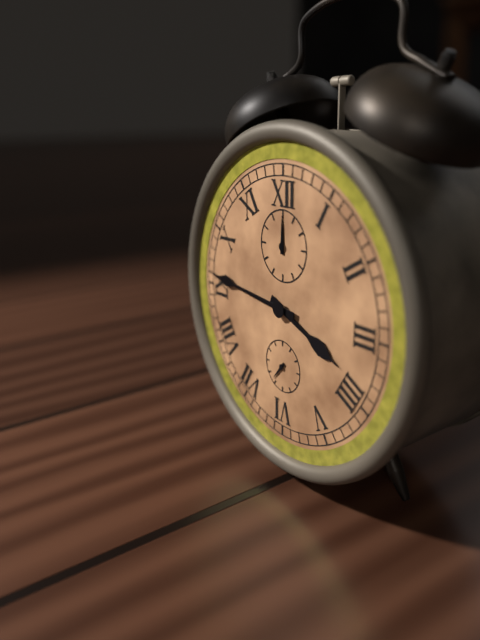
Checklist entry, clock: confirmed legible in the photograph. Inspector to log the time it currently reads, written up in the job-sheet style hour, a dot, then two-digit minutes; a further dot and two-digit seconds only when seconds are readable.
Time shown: 3.46
